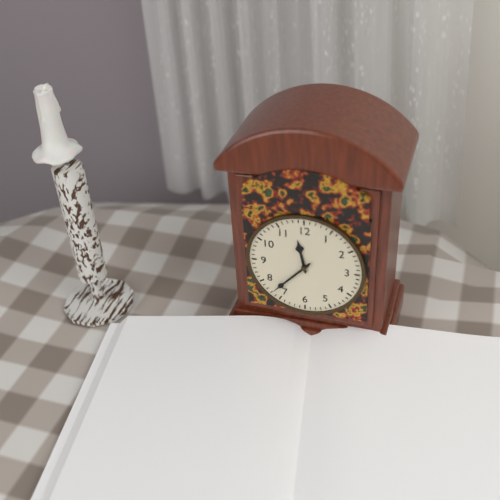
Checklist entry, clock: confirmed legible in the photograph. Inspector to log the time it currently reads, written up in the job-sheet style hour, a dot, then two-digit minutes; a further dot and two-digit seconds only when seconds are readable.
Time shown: 11.37
